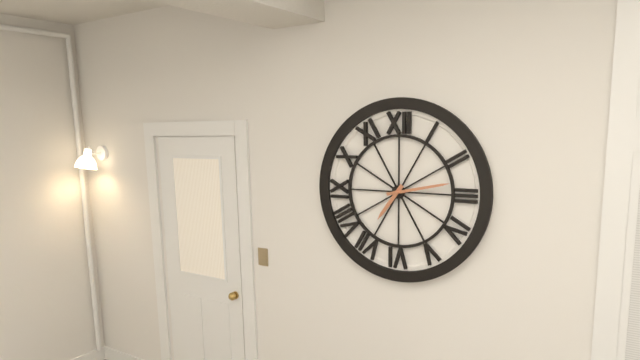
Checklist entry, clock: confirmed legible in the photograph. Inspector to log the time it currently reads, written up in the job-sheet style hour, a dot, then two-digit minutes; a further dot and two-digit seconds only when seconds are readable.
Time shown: 7.13
